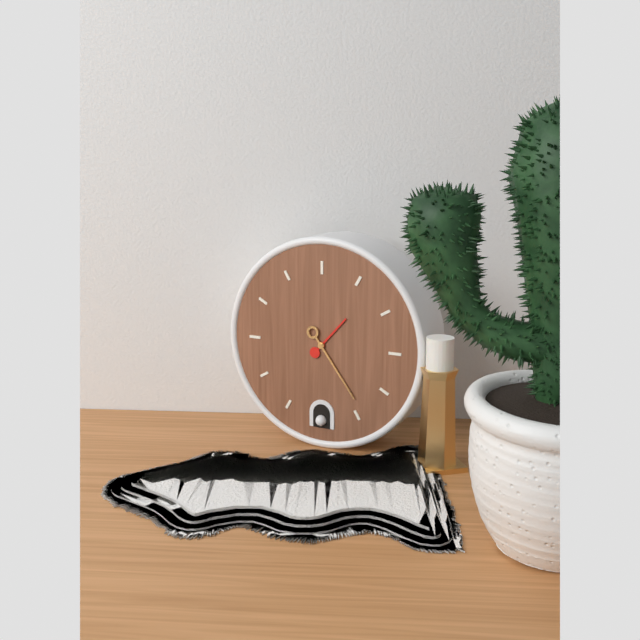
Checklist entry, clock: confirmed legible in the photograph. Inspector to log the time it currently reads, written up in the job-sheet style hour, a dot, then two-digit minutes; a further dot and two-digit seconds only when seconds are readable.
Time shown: 1.24
